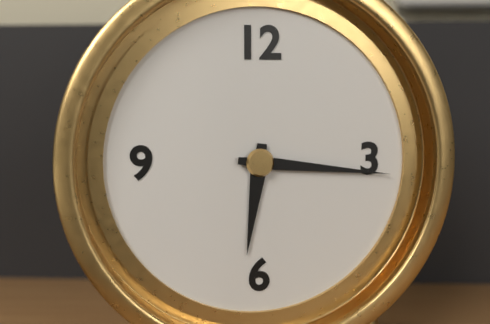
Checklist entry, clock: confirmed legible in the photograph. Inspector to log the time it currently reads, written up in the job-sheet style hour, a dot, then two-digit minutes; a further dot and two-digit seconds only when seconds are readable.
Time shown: 6.16
